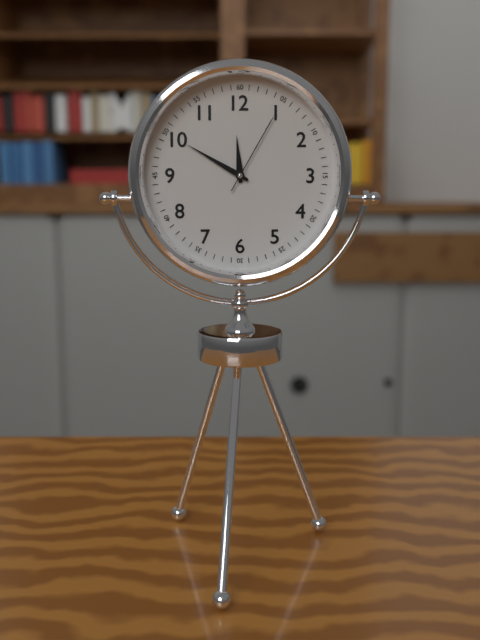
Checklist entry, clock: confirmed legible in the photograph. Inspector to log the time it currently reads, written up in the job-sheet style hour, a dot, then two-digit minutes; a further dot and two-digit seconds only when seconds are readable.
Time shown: 11.50.05
